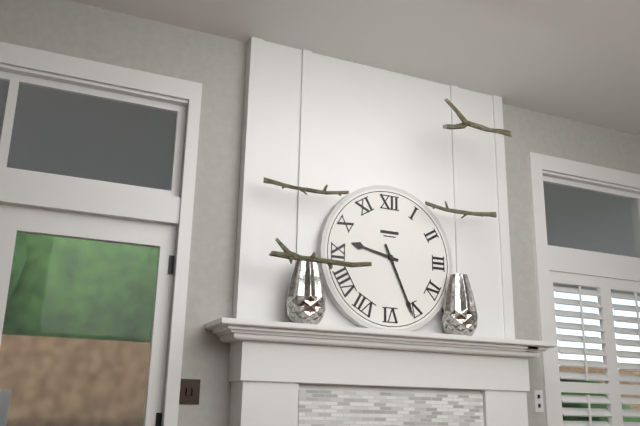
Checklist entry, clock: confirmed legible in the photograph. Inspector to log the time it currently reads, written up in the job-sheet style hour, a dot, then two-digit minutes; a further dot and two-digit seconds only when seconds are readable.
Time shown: 9.26
